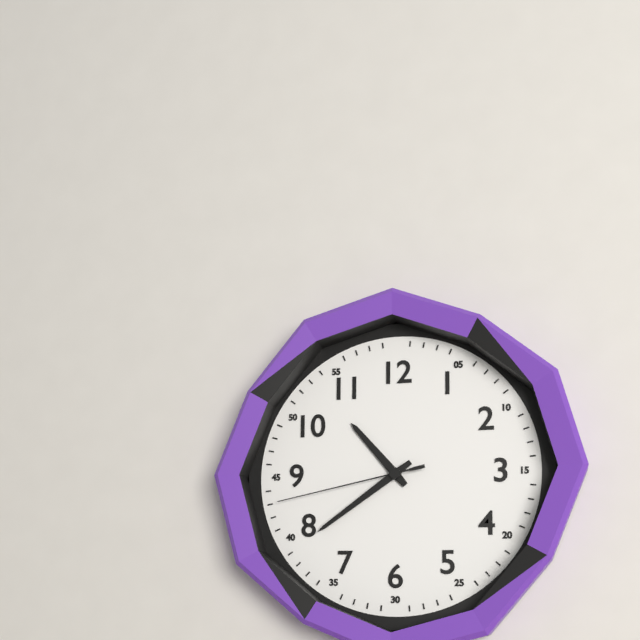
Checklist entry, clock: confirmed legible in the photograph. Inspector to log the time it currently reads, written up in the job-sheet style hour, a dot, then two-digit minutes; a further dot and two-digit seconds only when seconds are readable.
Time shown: 10.39.43
